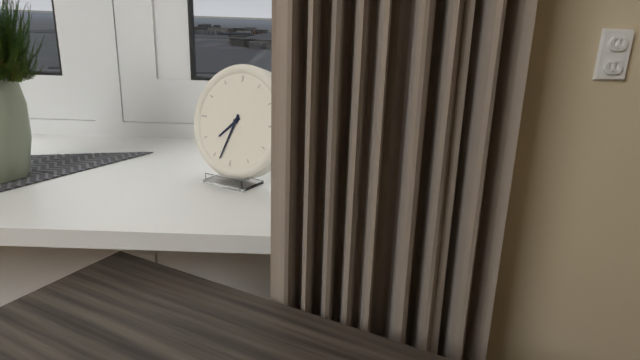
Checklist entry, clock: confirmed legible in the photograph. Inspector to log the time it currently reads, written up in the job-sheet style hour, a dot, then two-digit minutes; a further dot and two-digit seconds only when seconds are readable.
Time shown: 7.33
